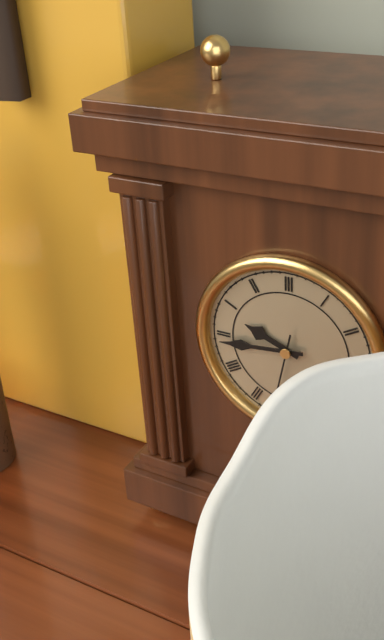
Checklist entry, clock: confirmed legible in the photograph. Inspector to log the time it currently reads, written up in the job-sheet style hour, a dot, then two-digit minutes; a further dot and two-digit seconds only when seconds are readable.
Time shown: 9.44
